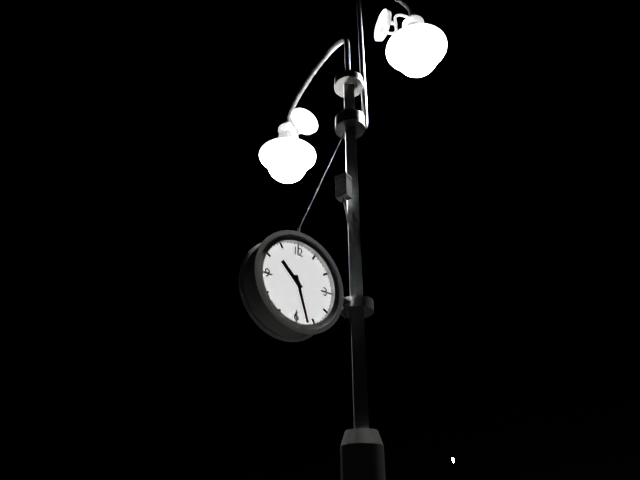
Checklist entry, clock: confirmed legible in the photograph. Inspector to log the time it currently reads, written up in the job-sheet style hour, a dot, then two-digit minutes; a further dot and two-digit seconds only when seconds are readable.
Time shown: 10.27
